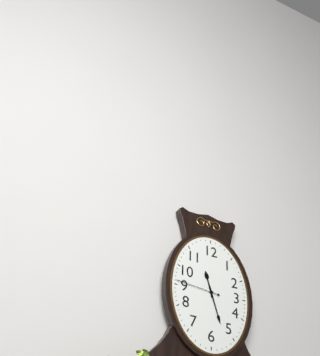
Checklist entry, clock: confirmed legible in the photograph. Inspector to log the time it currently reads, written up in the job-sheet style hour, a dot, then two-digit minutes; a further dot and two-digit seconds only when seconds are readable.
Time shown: 11.27
